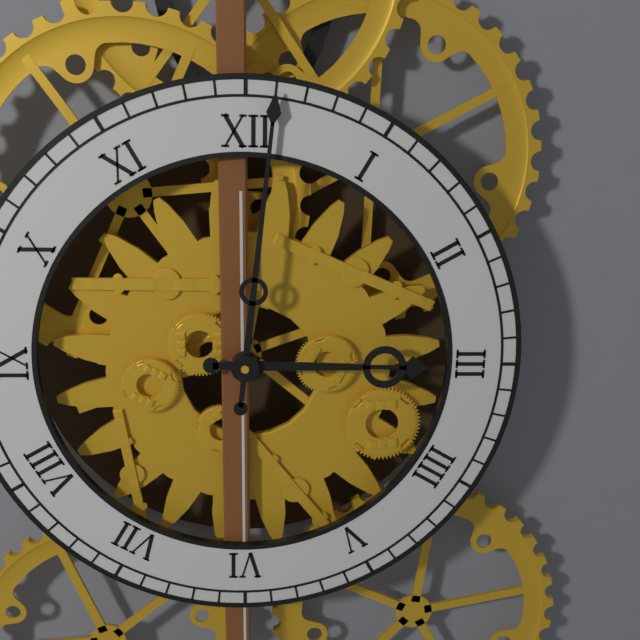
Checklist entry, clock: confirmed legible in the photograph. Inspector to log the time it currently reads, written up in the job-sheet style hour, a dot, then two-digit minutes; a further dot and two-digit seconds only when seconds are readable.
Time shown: 3.01
